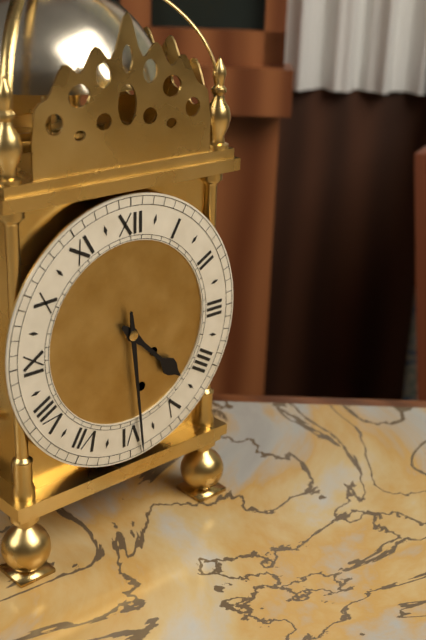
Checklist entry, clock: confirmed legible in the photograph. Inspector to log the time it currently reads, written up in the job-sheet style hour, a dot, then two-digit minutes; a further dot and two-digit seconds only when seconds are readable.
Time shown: 4.29
